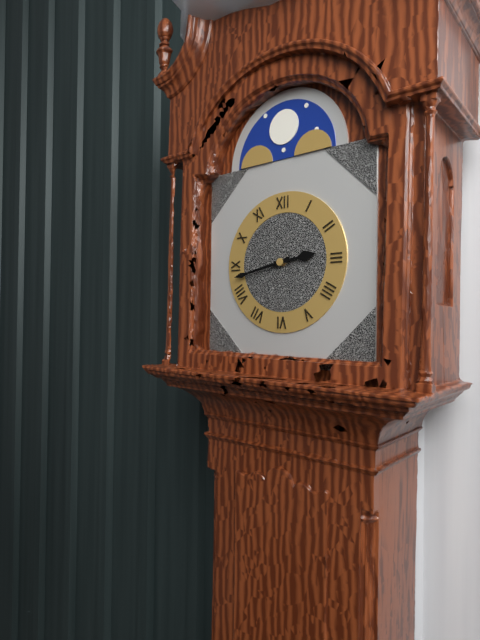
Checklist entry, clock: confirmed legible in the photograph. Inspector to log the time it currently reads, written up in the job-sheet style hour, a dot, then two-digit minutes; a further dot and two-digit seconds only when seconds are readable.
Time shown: 2.43
